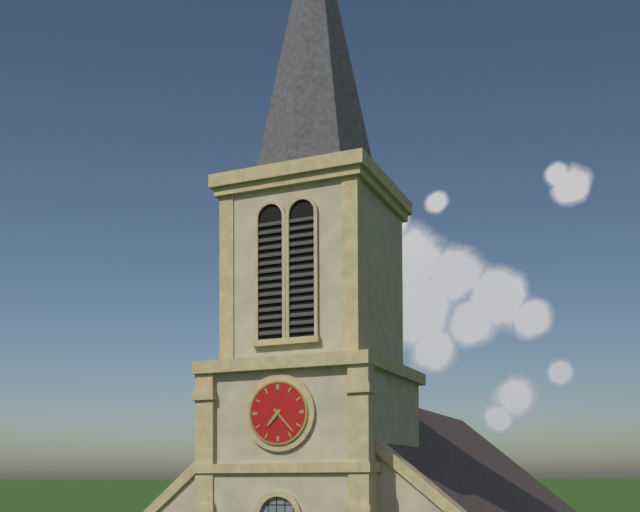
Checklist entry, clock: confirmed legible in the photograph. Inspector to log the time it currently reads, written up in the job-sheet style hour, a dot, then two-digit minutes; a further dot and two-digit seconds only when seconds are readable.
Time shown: 7.23
